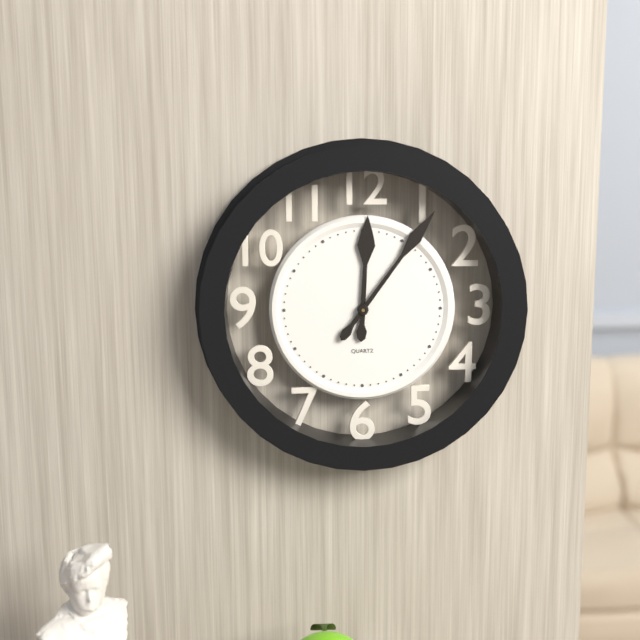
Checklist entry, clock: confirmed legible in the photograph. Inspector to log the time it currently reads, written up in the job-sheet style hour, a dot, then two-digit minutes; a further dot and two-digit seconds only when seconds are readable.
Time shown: 12.06
